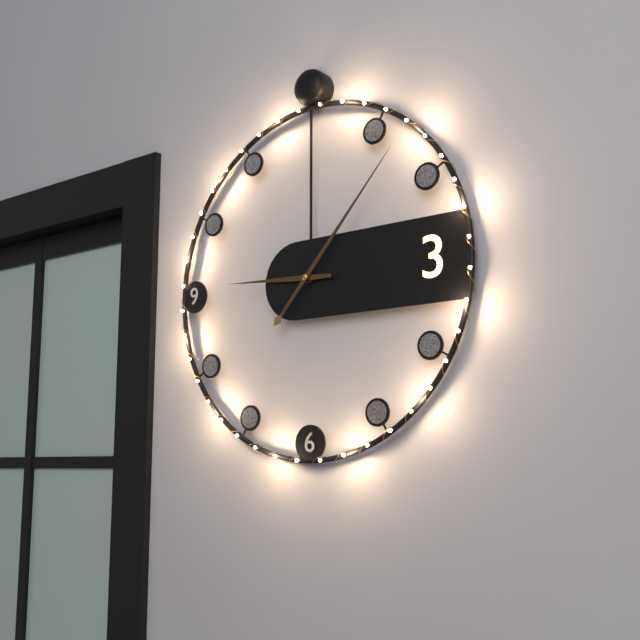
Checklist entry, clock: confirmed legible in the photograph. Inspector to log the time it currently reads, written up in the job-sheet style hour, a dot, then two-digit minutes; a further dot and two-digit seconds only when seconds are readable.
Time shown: 9.07
